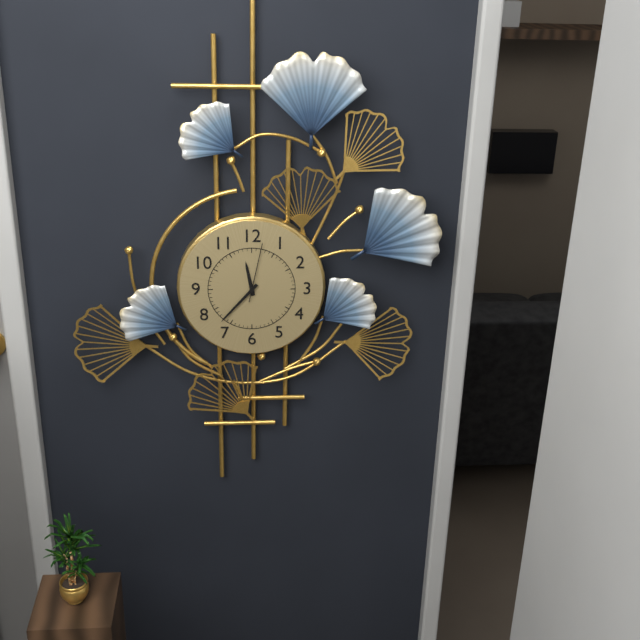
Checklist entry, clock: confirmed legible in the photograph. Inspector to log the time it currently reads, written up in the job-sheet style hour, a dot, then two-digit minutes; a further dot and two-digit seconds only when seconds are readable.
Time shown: 11.37
